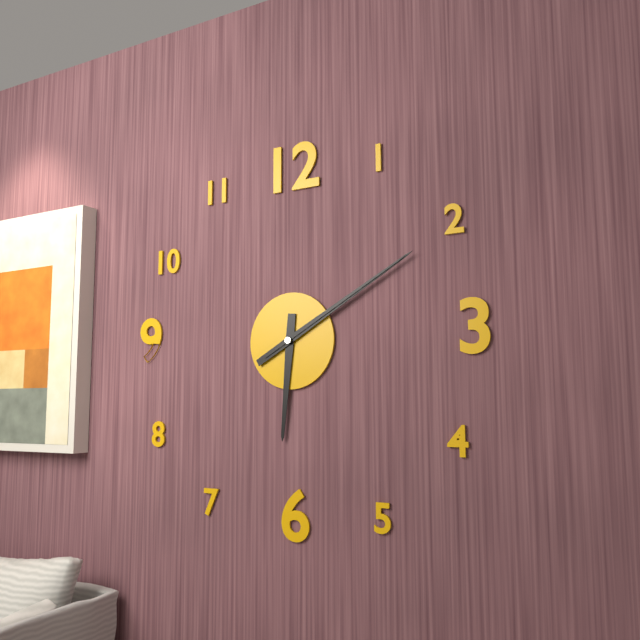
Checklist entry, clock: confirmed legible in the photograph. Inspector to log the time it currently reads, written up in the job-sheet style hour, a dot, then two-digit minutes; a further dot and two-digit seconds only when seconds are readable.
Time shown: 6.10.10
